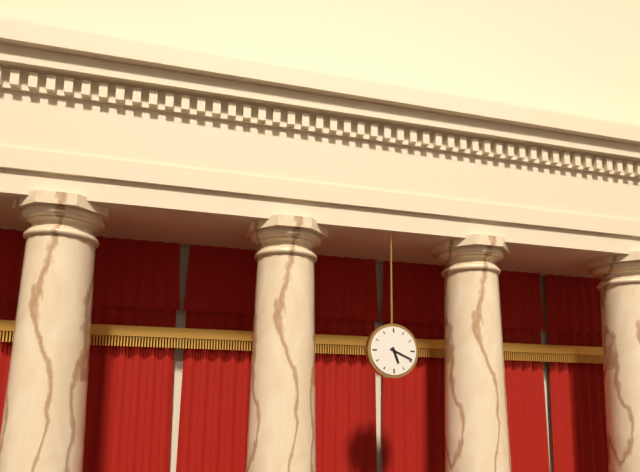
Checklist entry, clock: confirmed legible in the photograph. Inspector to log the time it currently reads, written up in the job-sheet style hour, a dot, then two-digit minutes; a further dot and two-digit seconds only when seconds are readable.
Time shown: 5.19
